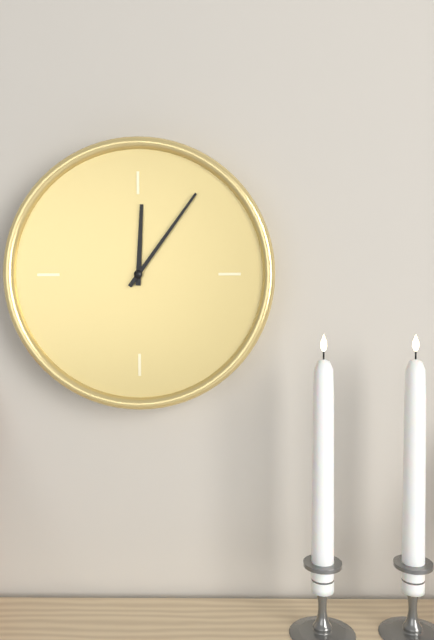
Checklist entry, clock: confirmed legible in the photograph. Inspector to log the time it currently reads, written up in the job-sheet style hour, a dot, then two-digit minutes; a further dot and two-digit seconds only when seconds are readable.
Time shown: 12.06
